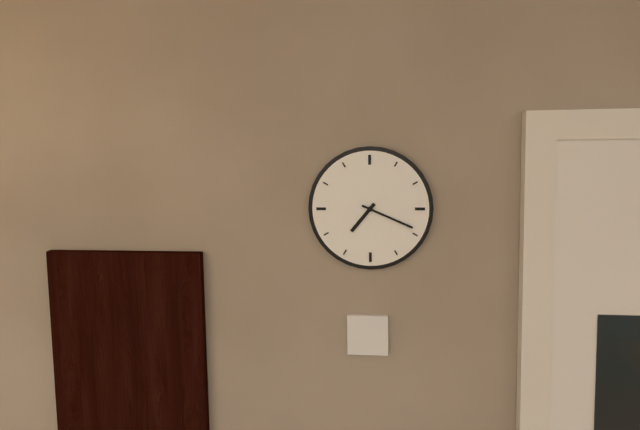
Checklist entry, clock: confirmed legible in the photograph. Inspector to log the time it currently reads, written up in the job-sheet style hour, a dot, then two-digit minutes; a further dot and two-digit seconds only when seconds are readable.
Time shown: 7.19
